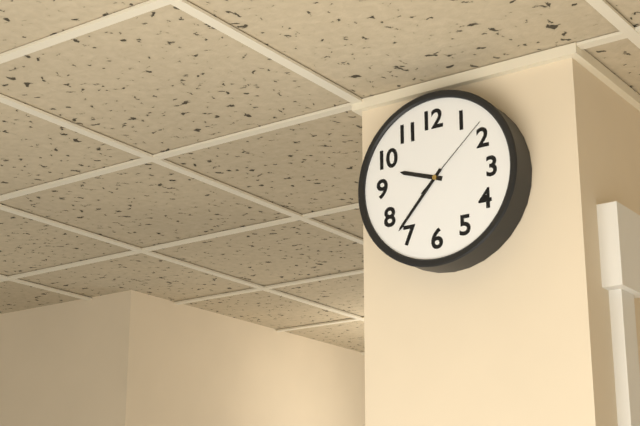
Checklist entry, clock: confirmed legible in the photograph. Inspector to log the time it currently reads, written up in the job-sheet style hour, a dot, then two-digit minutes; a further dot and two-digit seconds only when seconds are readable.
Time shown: 9.37.08
